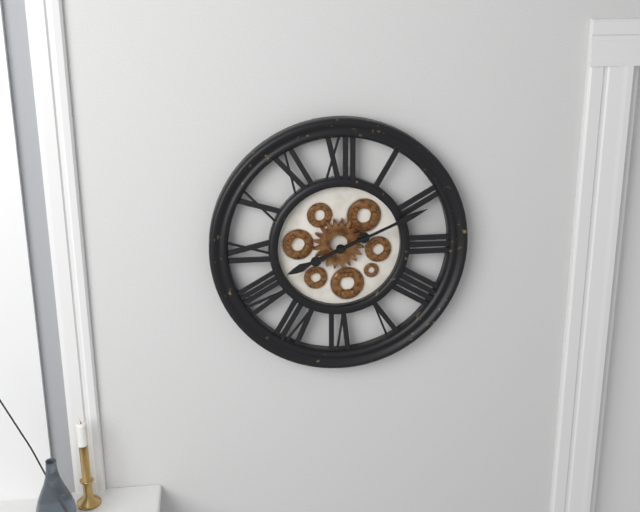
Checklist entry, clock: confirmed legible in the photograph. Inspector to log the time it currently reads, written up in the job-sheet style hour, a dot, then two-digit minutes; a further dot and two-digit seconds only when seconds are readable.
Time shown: 8.11
